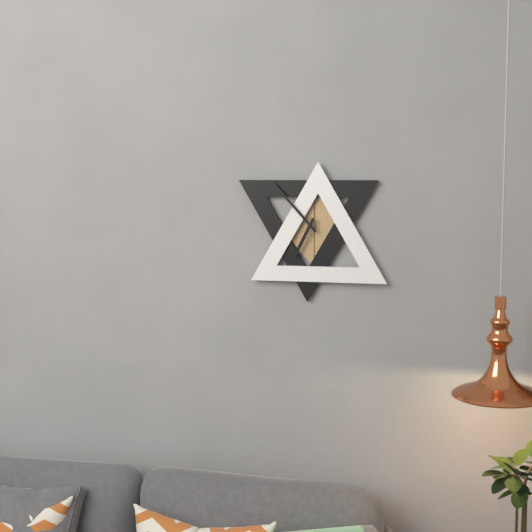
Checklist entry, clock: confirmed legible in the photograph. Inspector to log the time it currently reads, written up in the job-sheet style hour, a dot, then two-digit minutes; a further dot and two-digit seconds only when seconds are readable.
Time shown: 6.53
